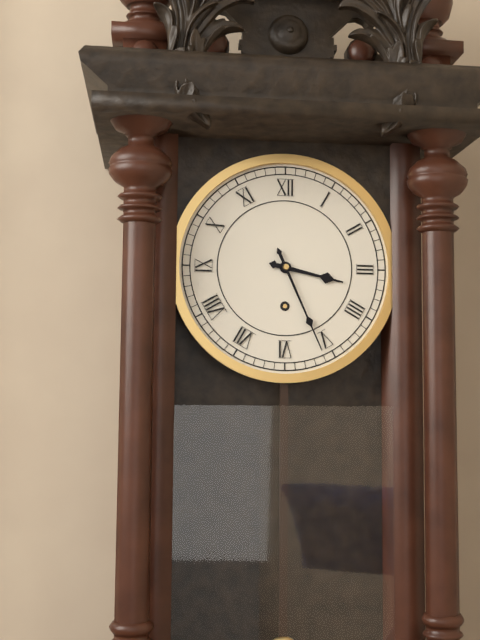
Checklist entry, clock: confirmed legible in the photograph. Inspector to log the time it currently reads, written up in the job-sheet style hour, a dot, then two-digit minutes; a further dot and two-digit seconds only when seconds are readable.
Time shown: 3.26
